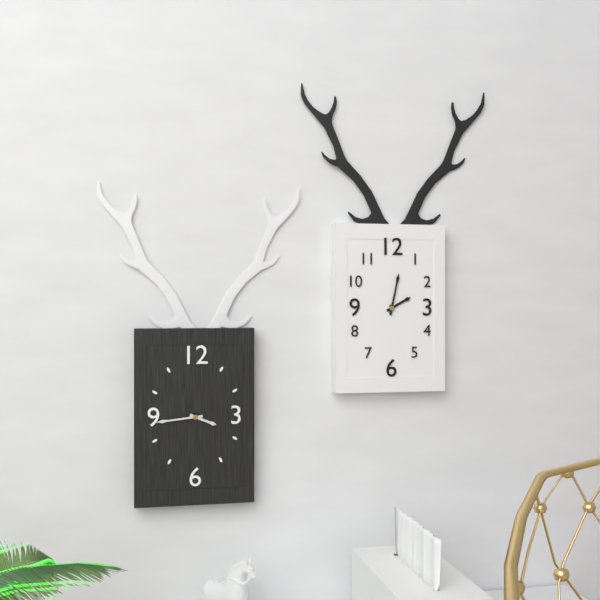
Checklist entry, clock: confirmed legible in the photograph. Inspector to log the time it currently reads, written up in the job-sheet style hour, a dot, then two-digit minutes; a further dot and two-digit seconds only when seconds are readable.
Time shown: 3.44
